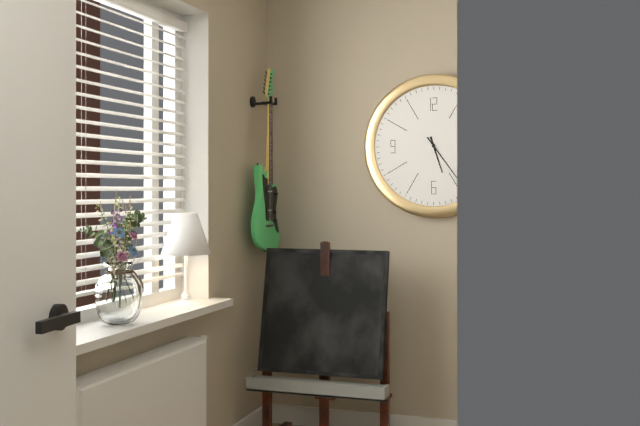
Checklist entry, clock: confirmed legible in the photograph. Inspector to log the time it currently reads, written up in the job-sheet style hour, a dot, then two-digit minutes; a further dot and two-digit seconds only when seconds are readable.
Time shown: 5.24
